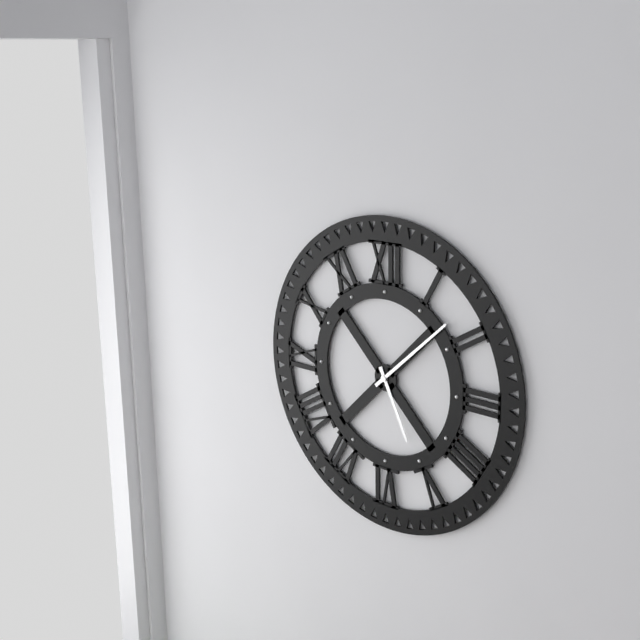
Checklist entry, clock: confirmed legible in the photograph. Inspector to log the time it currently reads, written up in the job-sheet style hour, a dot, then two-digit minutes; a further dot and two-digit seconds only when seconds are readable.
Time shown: 5.08
